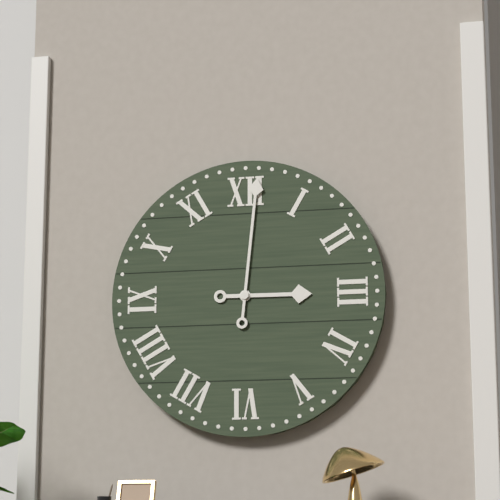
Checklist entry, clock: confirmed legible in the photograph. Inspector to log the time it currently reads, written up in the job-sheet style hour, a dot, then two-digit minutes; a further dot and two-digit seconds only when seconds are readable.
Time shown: 3.01
